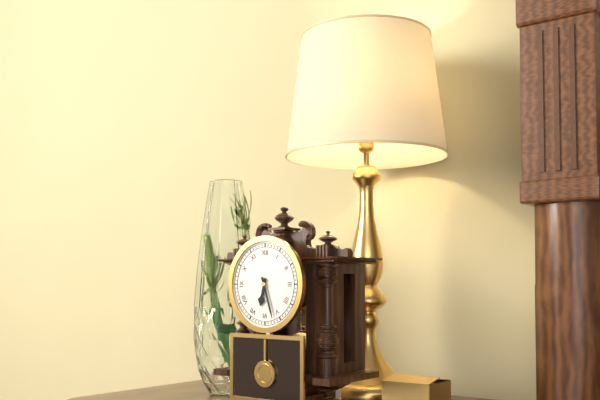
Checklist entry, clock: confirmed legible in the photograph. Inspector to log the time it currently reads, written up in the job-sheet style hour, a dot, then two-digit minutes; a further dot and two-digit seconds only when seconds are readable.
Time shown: 6.27
